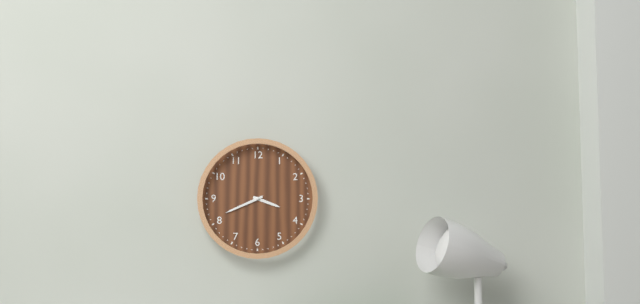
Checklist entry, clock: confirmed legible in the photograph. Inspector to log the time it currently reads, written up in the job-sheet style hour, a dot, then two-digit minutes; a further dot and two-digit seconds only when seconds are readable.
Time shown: 3.41
